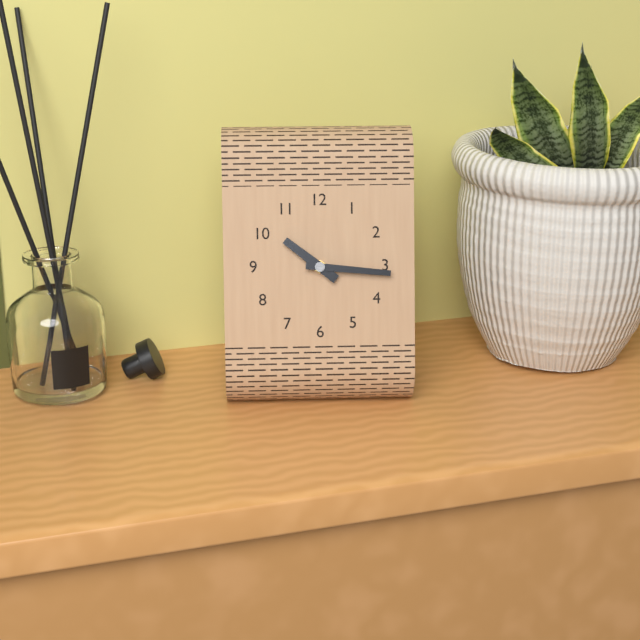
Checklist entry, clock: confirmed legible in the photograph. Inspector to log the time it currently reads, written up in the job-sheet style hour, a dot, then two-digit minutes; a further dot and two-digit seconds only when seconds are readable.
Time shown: 10.16
